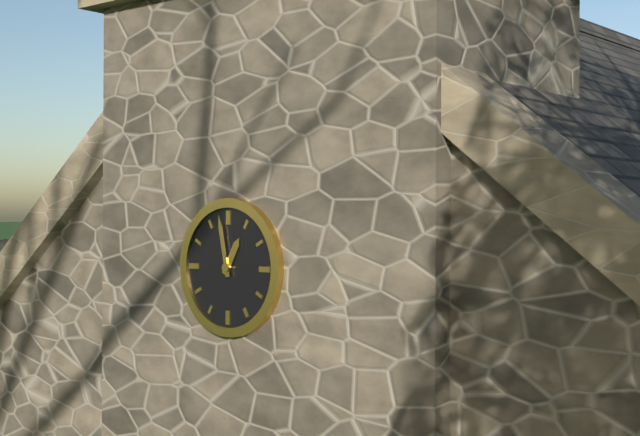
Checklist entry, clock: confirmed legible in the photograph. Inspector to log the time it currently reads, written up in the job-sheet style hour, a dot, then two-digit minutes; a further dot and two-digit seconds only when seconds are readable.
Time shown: 12.58
